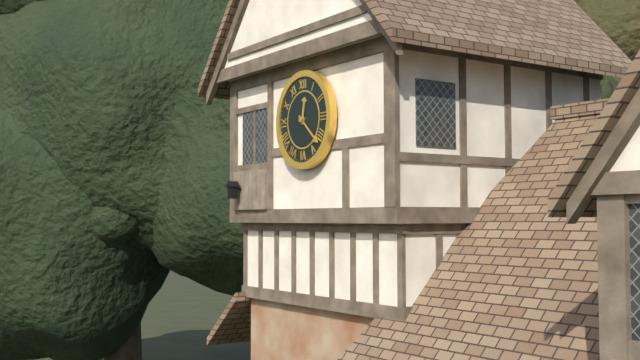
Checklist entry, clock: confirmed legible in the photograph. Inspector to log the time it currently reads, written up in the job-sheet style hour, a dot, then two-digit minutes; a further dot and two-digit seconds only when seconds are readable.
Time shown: 12.22
